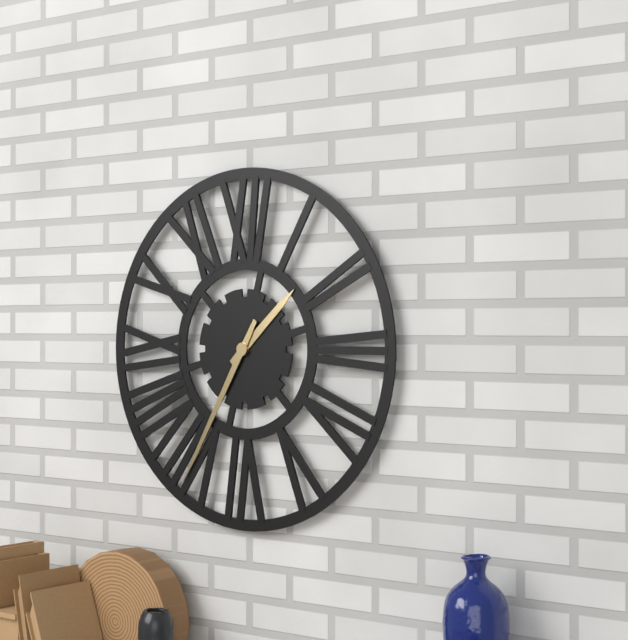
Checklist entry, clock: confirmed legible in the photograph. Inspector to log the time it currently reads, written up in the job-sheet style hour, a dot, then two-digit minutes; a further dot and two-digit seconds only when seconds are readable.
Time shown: 1.35
